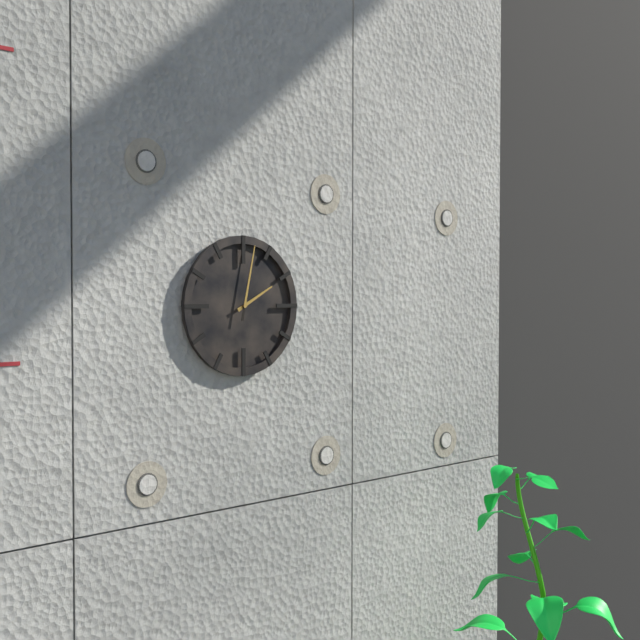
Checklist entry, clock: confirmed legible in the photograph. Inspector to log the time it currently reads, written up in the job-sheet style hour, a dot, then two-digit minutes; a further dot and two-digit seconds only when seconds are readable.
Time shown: 2.02
